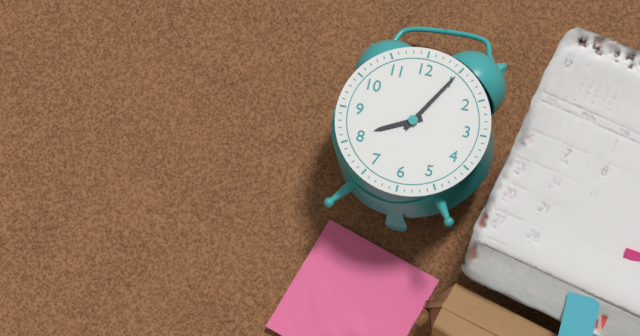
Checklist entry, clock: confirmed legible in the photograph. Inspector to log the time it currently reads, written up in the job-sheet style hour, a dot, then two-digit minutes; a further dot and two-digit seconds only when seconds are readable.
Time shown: 8.05
